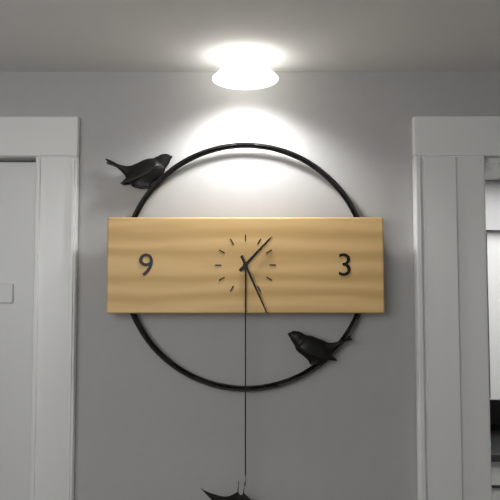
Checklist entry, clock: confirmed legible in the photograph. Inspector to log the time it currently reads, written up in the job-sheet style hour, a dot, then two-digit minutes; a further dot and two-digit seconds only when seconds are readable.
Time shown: 1.26
